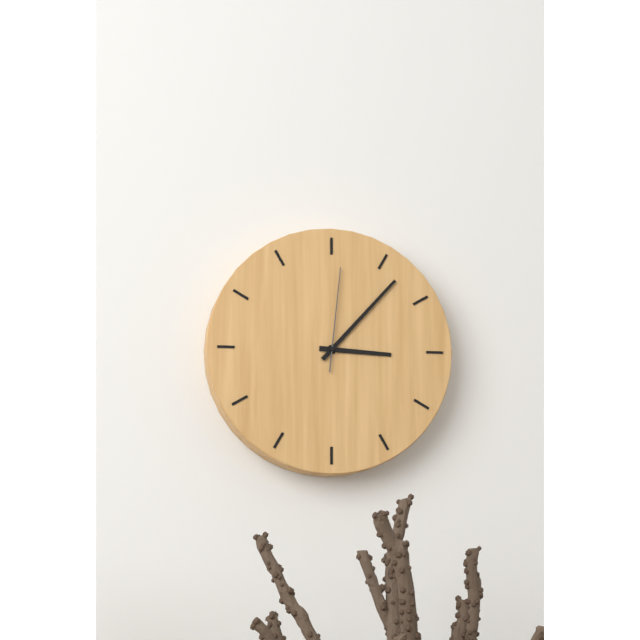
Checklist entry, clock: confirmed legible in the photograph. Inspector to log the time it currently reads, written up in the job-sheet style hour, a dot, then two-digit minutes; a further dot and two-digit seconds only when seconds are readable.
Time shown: 3.07.01
